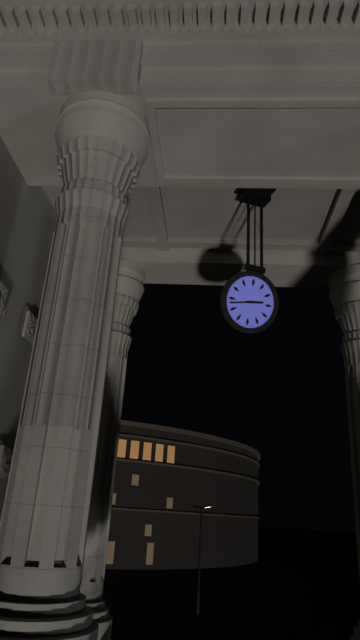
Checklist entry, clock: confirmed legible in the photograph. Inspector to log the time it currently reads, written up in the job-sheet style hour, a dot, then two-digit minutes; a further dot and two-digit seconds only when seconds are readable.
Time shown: 2.43
